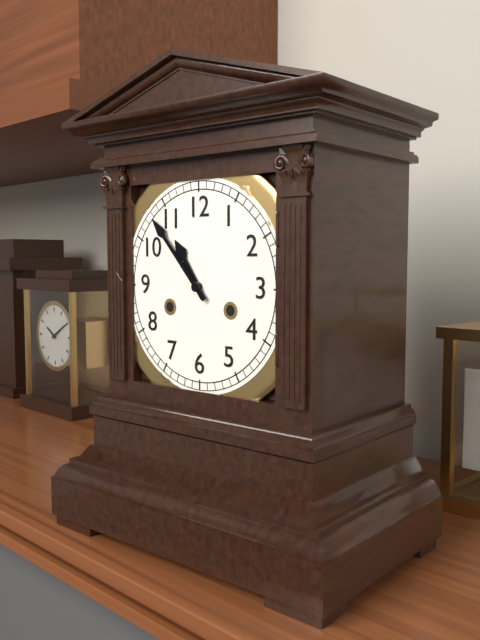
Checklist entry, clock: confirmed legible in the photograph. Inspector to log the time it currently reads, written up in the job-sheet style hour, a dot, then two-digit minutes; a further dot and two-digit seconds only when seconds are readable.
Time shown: 10.53
